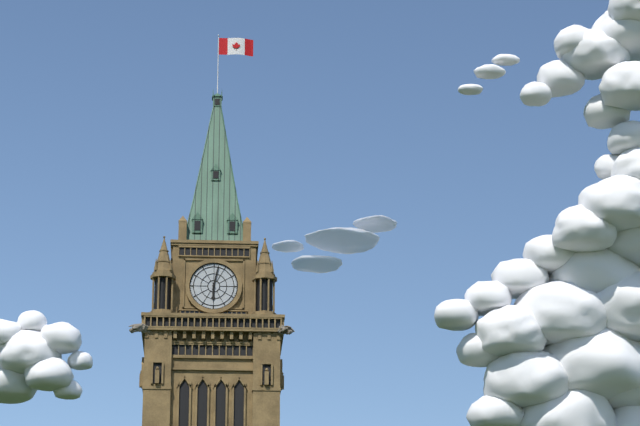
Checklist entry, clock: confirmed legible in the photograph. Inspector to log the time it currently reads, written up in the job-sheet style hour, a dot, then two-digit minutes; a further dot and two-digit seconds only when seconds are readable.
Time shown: 6.02
